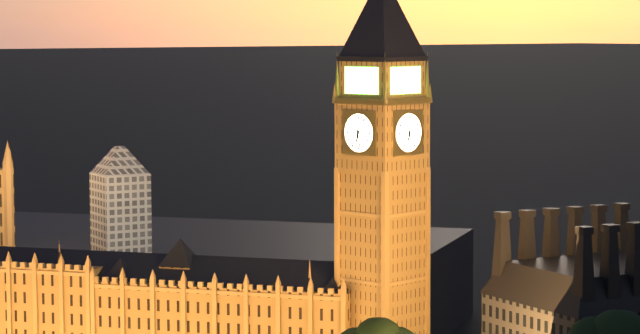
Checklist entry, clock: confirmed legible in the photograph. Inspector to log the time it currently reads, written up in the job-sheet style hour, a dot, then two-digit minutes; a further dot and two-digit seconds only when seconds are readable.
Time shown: 6.28
